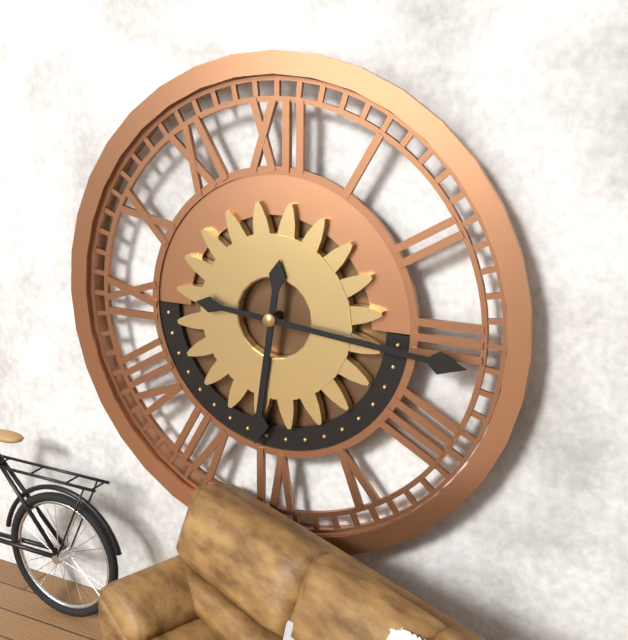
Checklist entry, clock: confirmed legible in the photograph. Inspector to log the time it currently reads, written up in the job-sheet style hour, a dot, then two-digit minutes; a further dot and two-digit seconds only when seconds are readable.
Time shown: 6.16
